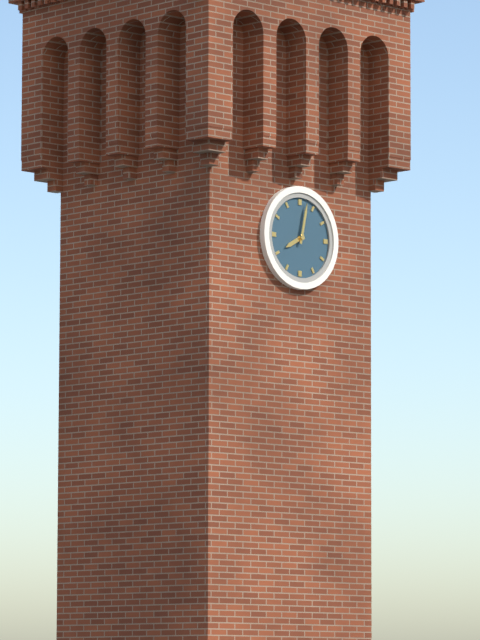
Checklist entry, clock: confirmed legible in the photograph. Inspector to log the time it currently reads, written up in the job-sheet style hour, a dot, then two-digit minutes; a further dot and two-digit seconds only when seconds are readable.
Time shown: 8.02
